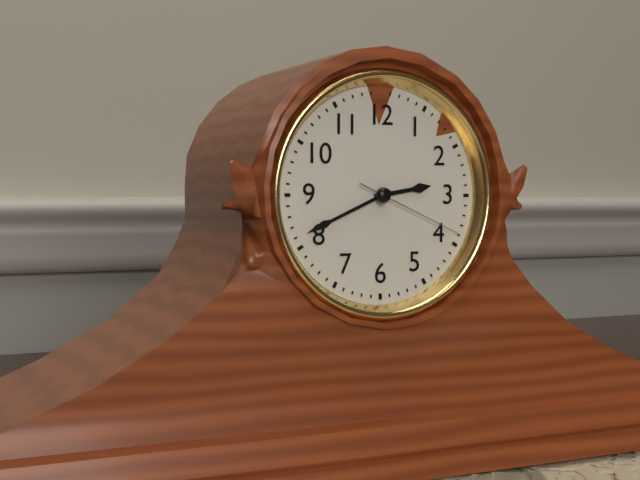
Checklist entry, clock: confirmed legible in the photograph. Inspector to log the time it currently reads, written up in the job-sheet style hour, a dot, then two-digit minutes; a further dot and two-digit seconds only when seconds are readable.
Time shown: 2.41.19
